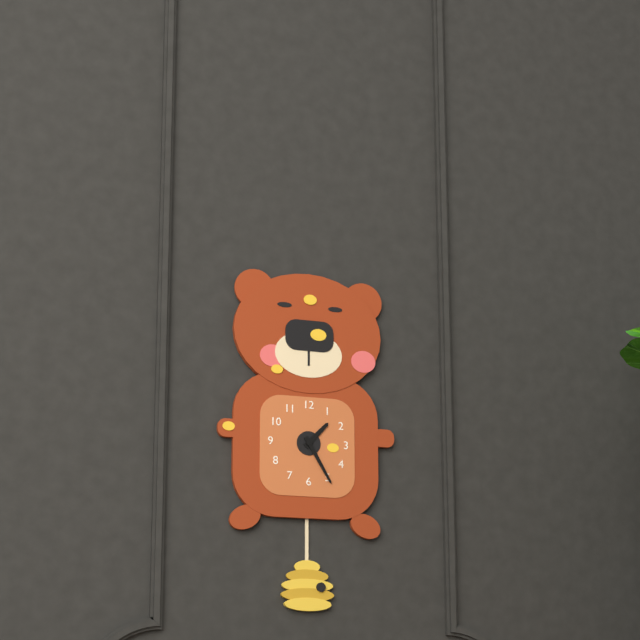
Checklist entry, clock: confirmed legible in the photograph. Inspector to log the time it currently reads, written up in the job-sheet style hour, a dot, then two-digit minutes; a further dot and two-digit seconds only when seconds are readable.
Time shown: 1.25
